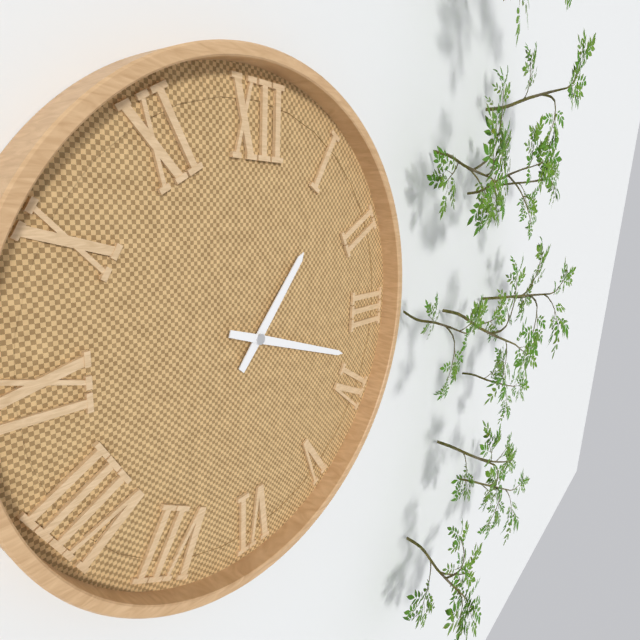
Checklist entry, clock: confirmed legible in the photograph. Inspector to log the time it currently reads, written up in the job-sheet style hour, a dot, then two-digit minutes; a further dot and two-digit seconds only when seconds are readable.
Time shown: 1.18
